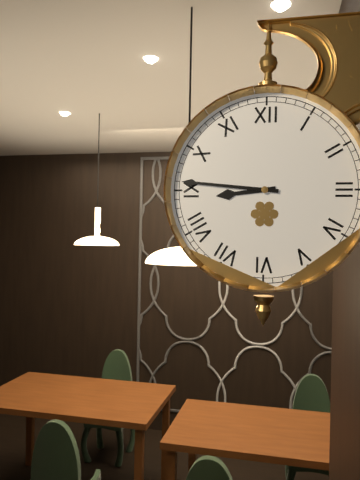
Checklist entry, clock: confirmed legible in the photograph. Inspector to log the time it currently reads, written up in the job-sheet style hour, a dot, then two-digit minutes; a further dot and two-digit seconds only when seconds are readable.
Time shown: 8.46
